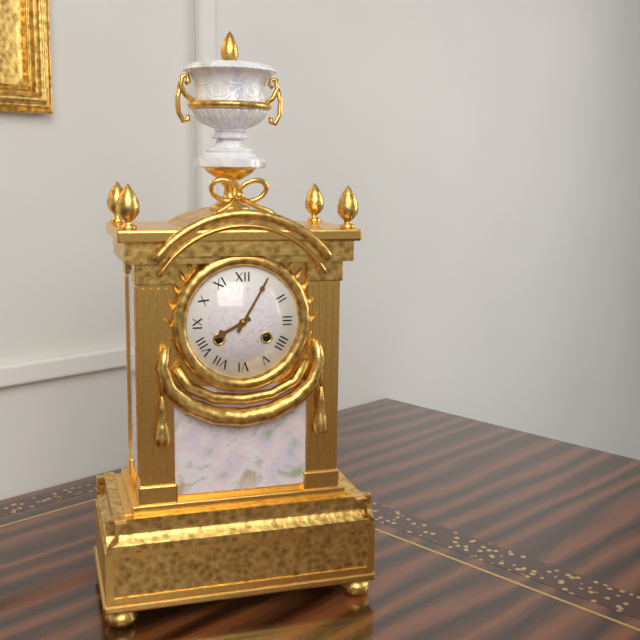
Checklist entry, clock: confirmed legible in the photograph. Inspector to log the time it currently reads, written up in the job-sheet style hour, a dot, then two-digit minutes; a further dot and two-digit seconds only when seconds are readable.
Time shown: 8.05
